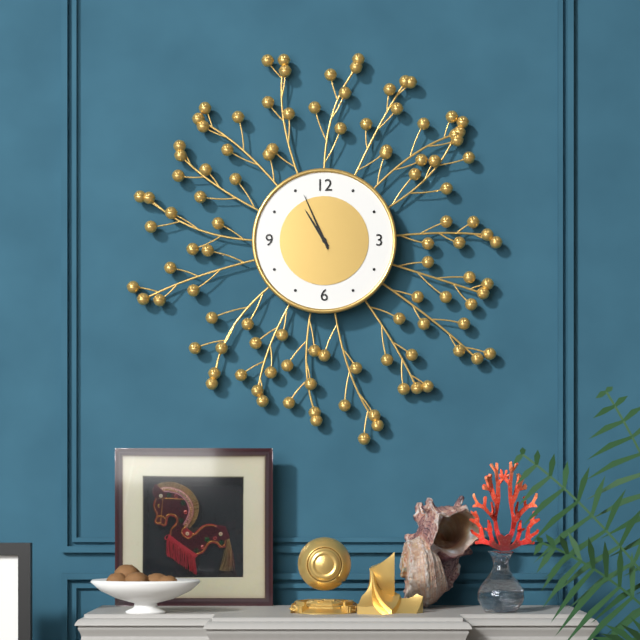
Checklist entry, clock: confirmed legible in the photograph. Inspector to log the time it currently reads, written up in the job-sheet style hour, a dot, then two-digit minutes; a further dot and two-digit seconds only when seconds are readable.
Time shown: 10.56
